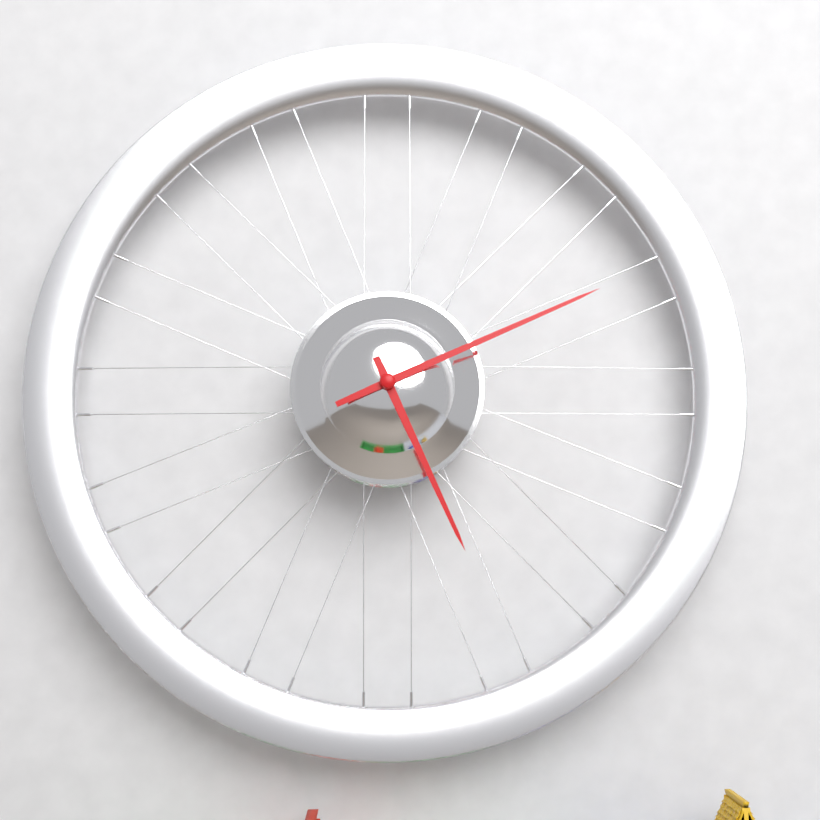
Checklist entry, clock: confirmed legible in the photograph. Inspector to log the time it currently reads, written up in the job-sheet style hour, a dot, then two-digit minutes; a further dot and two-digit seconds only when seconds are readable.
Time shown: 5.11
